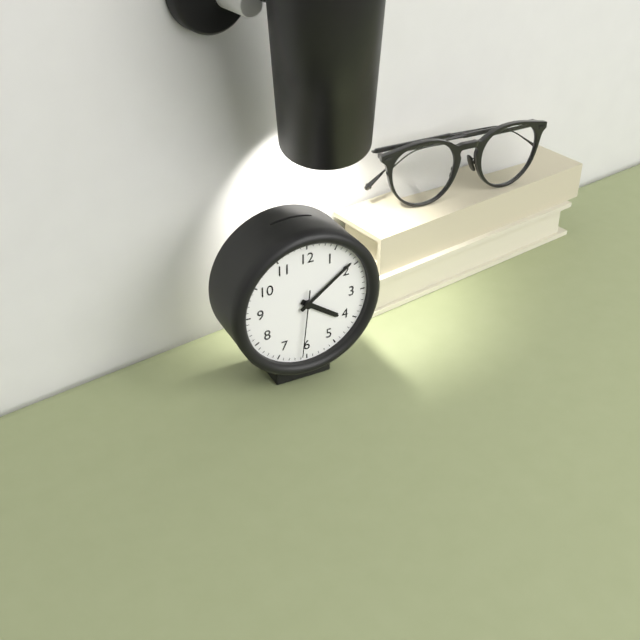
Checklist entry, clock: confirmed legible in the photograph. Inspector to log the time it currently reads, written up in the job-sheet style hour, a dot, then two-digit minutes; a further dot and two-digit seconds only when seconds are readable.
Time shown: 4.09.31
